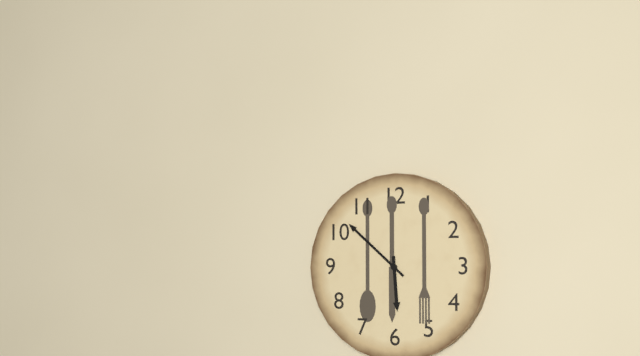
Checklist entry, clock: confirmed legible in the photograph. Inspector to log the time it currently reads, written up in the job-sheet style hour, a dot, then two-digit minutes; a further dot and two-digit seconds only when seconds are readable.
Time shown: 5.52
